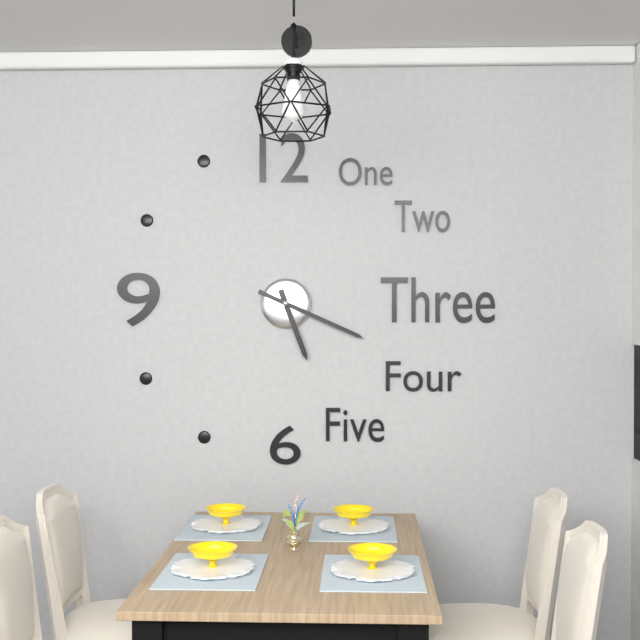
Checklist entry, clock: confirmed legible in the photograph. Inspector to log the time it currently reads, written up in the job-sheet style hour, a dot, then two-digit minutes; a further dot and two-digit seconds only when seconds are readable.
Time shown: 5.19
